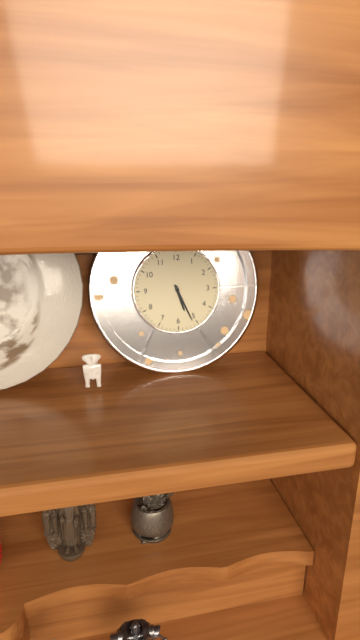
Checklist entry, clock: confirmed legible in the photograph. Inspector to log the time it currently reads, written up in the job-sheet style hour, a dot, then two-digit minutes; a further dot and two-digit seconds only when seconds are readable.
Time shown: 5.26
